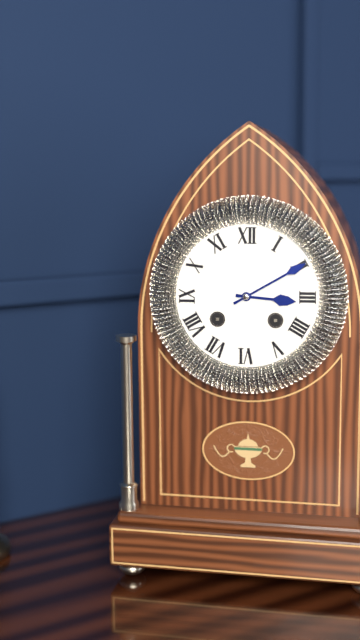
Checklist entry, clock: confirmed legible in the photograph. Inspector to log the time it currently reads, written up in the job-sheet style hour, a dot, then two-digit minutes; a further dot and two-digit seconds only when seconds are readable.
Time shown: 3.10
